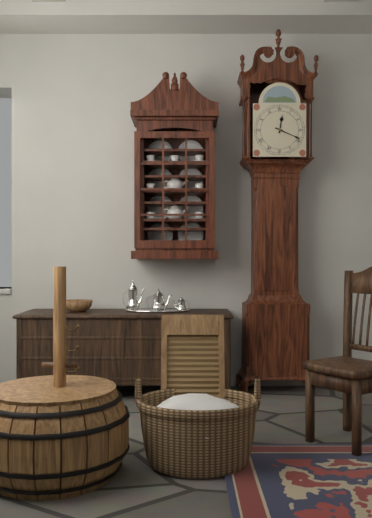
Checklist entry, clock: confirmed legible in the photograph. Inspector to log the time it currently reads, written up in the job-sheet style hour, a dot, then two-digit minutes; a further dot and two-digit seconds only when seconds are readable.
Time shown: 12.19
